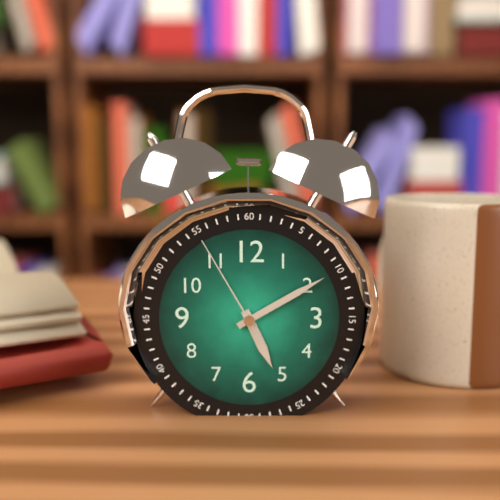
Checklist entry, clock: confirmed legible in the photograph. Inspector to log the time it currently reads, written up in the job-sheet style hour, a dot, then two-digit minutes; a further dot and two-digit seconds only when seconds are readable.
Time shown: 5.10.55
